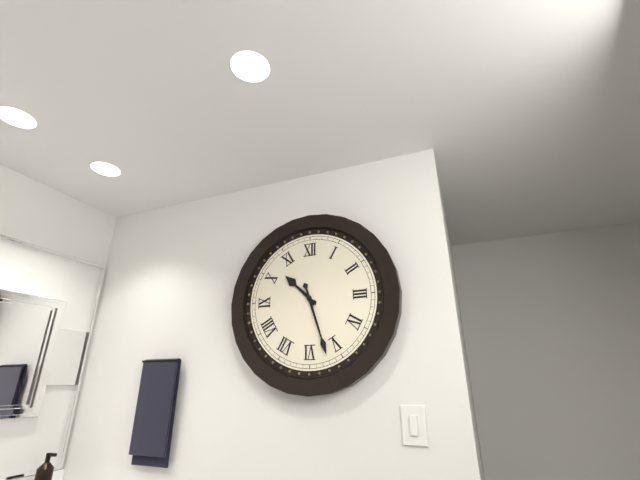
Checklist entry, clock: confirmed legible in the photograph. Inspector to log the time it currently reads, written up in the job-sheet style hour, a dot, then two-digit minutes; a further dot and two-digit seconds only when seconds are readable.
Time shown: 10.27
